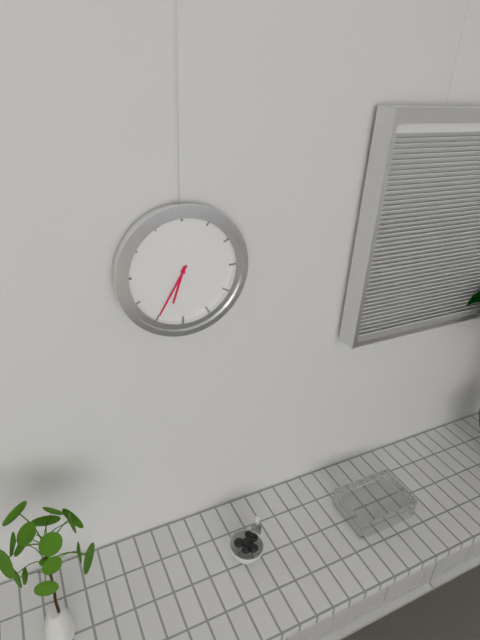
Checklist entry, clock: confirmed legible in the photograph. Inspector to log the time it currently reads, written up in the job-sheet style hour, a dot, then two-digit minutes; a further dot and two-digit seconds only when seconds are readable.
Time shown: 6.35
